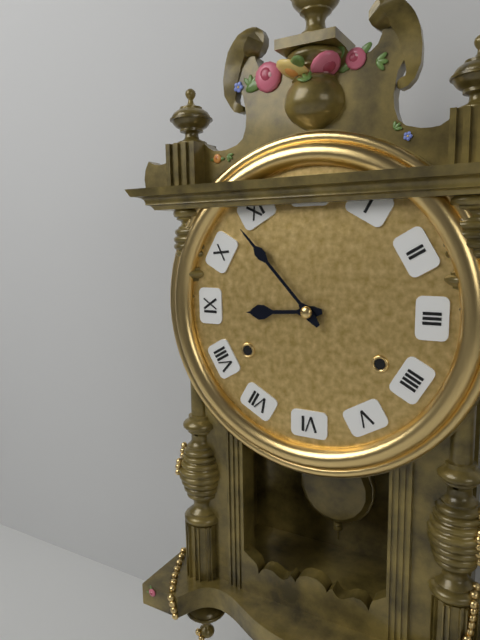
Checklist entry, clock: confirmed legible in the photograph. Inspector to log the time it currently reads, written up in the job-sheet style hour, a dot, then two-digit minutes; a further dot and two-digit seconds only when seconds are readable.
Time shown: 8.53
